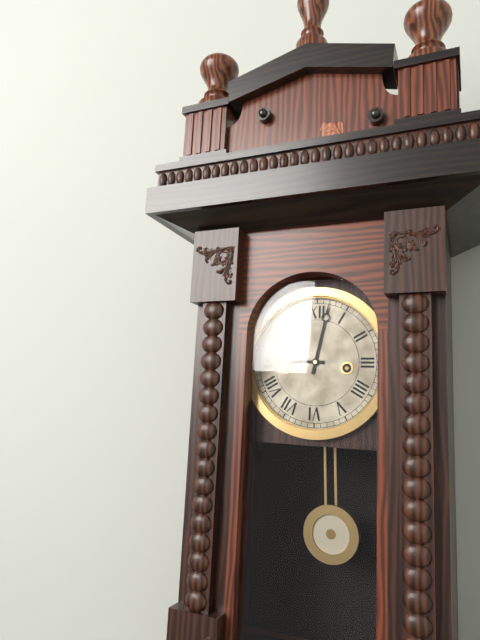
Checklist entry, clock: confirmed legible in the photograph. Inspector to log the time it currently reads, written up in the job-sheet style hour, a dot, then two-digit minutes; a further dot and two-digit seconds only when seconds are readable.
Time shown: 9.02
